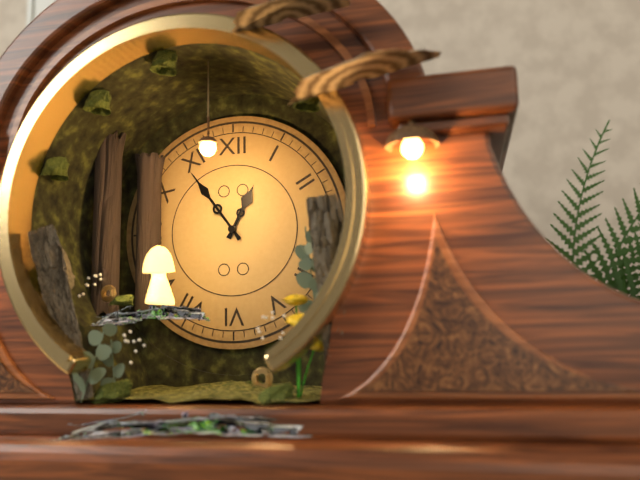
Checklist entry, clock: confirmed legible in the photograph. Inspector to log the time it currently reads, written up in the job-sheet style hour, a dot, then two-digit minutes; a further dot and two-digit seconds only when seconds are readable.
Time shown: 12.54
